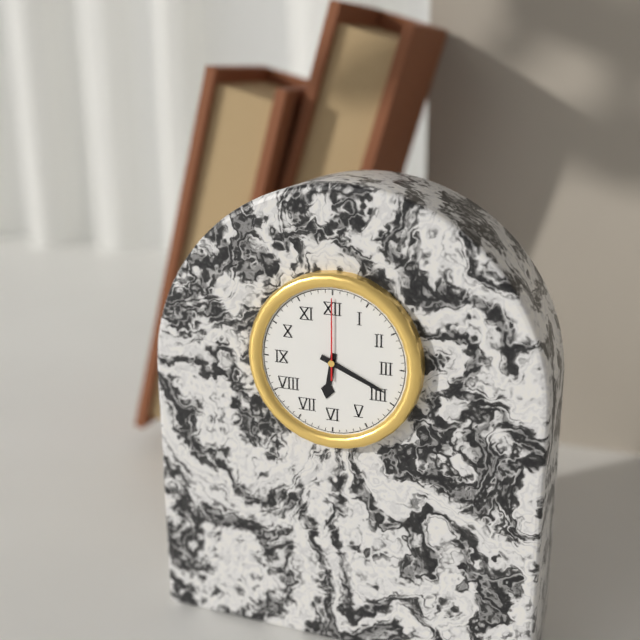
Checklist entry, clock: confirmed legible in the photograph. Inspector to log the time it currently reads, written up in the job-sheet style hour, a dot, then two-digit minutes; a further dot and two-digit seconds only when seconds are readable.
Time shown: 6.19.00
